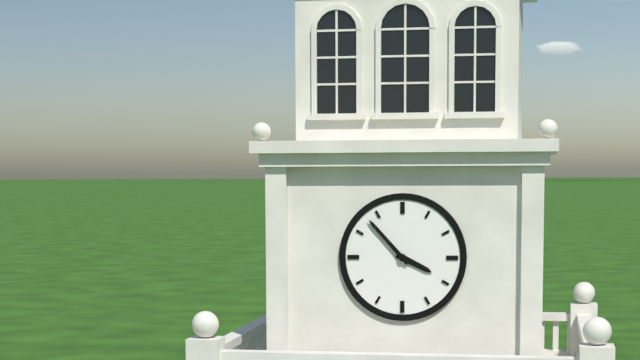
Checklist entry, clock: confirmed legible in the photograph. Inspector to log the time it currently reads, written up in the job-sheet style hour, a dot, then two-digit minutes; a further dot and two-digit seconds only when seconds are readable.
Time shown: 3.53
